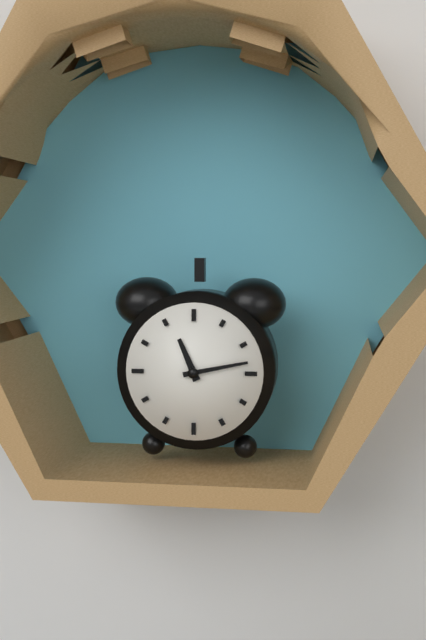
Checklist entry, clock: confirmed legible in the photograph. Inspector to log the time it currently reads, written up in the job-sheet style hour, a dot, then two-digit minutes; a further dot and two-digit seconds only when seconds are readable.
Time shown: 11.13
